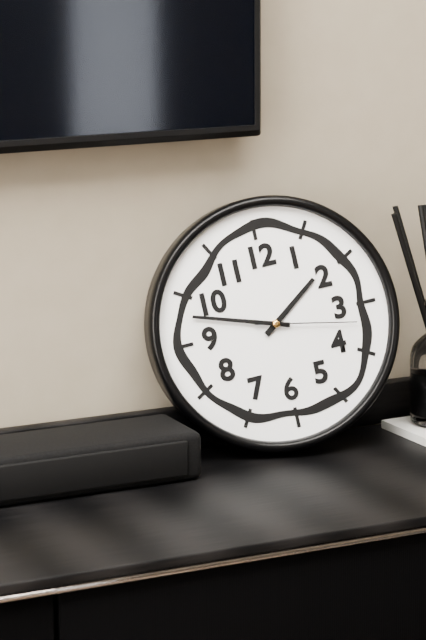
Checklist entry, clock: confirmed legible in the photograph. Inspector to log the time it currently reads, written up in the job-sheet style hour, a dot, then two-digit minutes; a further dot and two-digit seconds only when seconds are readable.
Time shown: 1.48.17
